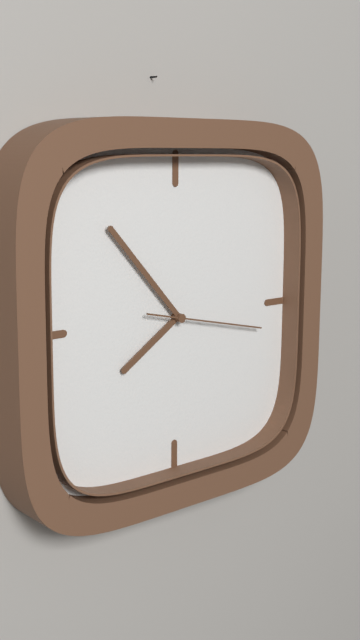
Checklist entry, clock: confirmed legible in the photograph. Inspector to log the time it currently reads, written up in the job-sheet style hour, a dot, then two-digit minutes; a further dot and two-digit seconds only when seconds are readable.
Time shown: 7.53.17
